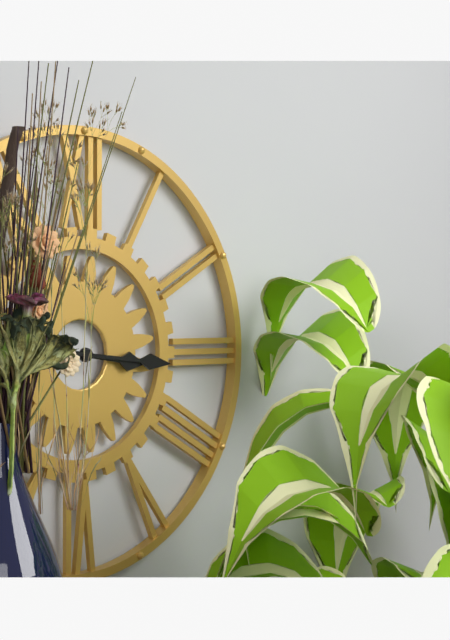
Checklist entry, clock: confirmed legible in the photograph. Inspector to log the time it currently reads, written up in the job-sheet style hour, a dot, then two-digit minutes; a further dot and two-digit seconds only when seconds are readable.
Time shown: 3.16
